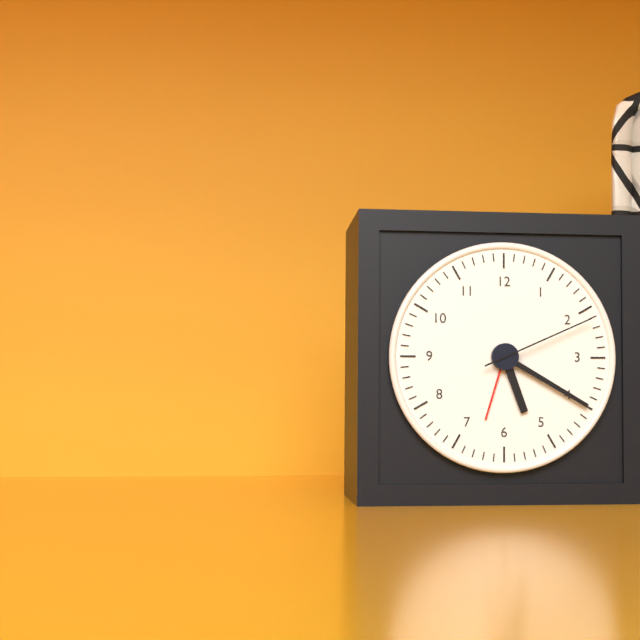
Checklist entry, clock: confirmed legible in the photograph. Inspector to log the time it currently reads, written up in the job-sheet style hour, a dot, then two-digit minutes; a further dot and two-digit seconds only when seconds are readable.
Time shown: 5.20.11
